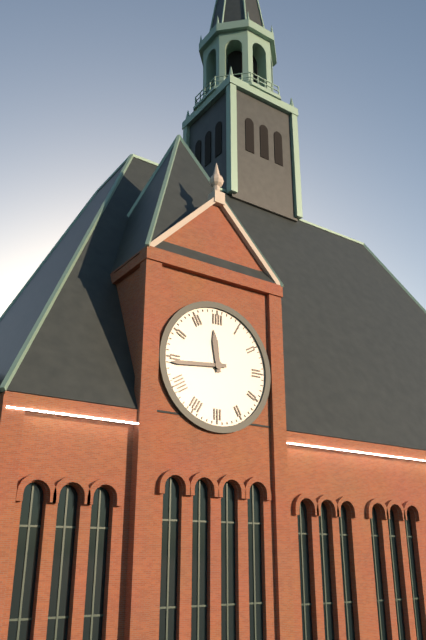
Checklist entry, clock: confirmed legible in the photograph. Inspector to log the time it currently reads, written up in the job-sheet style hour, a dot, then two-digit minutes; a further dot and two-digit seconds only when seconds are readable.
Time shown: 11.44
